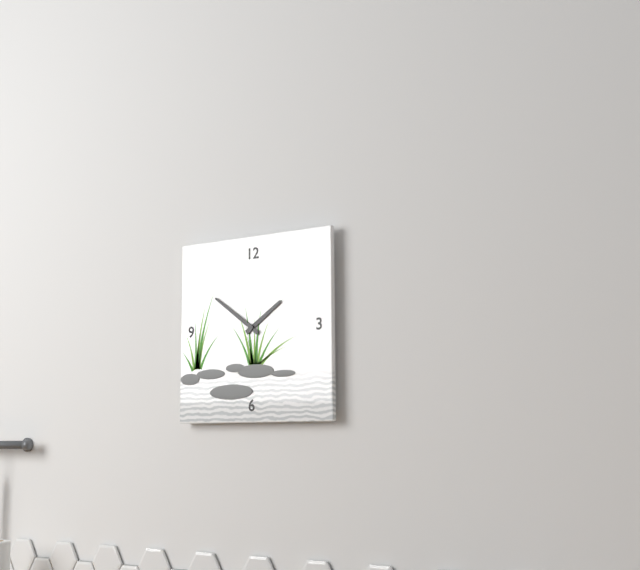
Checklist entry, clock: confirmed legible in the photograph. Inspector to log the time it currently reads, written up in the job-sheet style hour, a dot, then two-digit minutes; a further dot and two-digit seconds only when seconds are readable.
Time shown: 1.51
